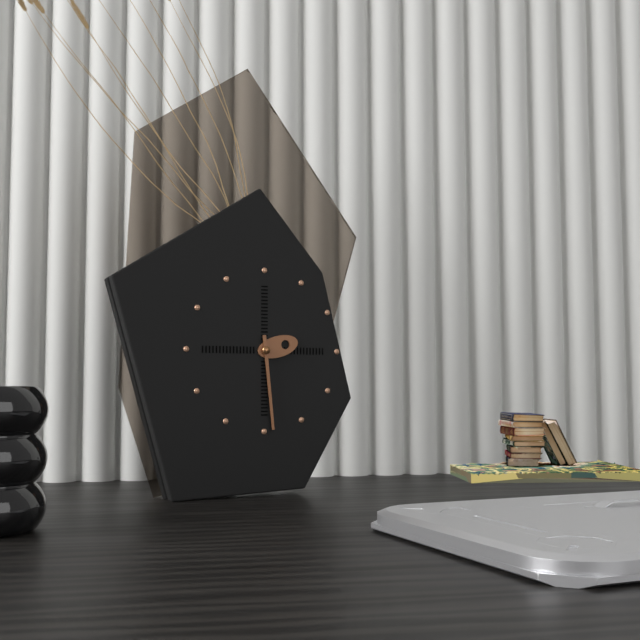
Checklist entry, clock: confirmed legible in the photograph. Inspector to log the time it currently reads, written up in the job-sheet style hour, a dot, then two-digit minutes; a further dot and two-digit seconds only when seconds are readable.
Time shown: 2.29
